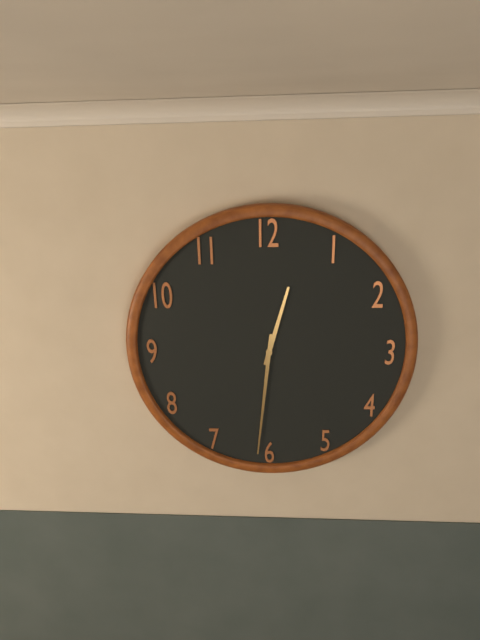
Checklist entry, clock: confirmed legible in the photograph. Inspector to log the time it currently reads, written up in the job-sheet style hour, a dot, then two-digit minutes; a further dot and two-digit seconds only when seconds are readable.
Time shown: 12.31
